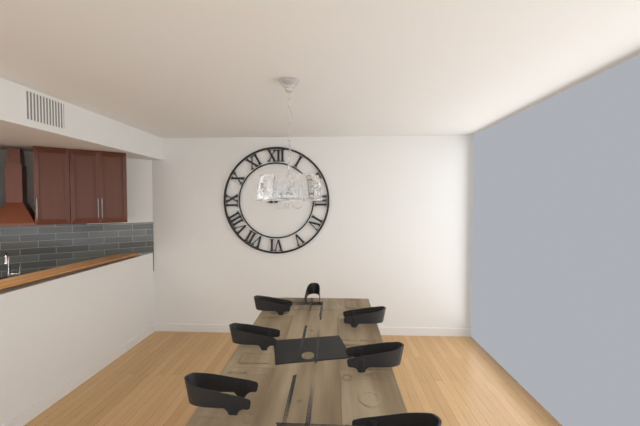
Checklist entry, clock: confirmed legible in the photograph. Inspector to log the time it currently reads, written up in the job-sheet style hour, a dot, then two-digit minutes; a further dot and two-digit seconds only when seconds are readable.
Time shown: 2.13
